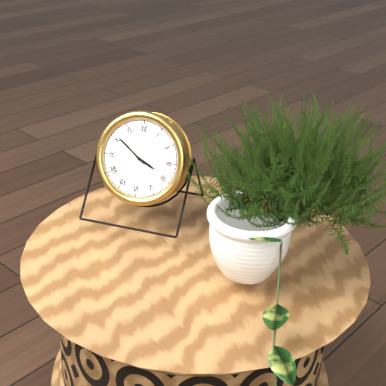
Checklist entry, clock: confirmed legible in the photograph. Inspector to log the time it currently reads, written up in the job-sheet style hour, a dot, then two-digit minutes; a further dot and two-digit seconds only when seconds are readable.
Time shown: 3.51
